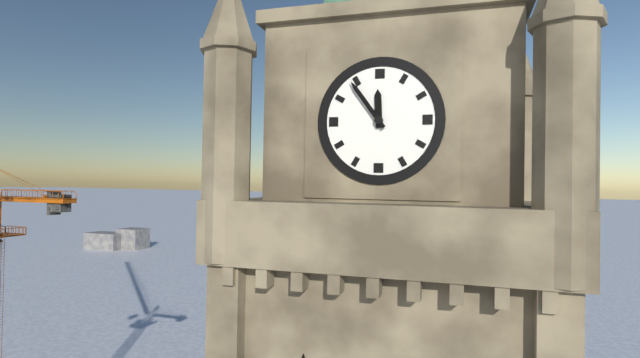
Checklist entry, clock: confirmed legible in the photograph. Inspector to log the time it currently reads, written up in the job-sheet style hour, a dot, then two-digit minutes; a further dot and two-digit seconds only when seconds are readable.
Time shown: 11.54
